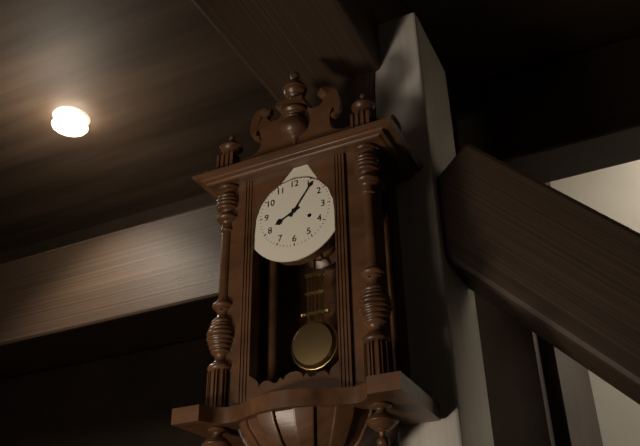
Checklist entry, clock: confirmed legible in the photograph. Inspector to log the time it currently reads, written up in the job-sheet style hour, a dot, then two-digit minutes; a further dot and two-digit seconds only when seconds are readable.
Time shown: 8.06
